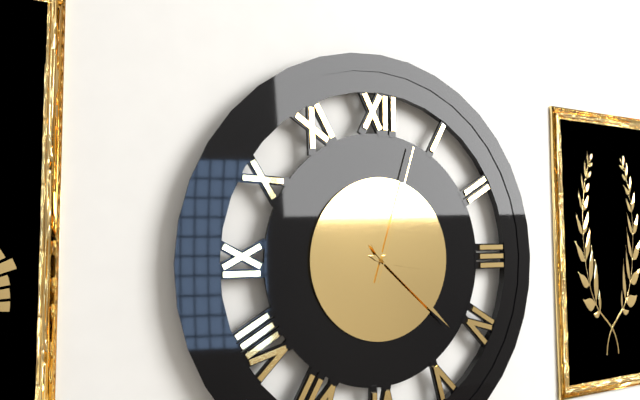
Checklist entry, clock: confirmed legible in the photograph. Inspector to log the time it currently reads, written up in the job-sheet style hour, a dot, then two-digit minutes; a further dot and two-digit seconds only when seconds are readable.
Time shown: 3.22.03
